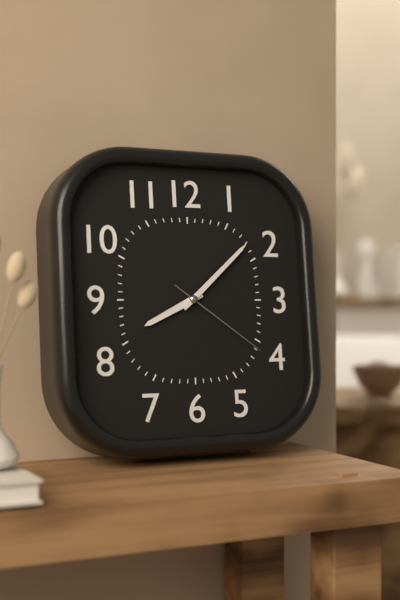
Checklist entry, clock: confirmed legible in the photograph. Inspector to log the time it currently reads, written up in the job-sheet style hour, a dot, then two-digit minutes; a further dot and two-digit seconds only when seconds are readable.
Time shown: 8.08.21
